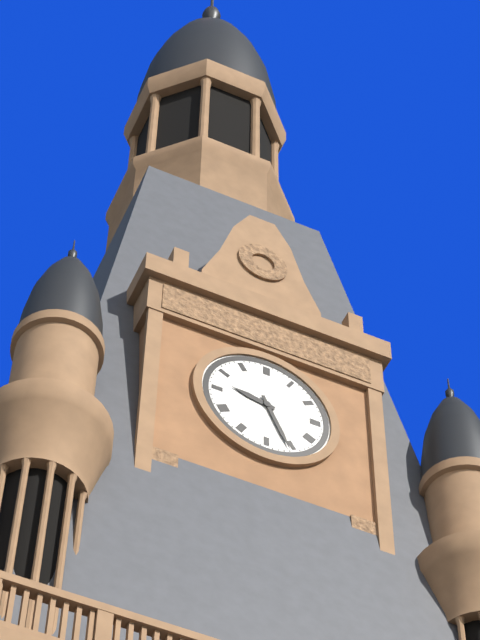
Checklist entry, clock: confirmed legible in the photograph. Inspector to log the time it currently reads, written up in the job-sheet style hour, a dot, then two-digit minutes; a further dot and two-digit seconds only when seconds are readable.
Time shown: 9.26
